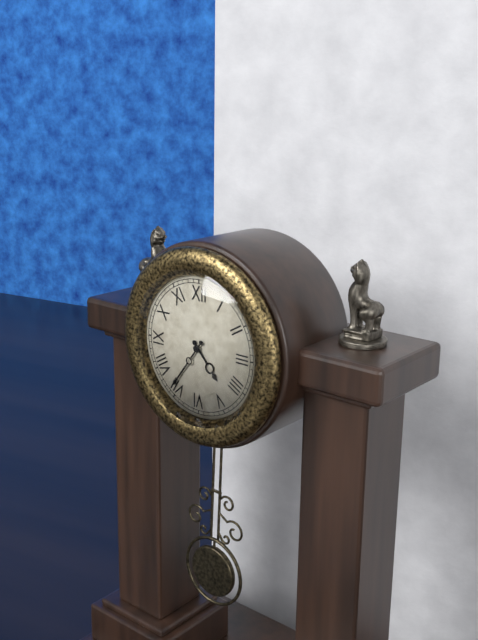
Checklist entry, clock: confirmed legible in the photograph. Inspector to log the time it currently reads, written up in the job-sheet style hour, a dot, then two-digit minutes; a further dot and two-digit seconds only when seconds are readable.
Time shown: 4.36
